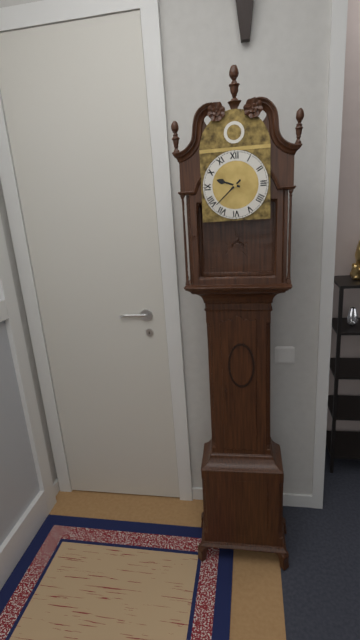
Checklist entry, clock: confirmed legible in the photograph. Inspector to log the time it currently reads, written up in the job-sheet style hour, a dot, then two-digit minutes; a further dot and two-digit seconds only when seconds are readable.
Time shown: 9.38
